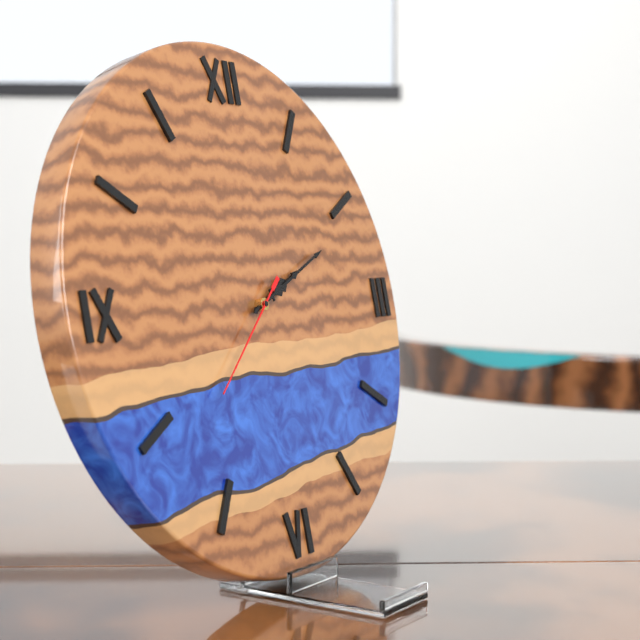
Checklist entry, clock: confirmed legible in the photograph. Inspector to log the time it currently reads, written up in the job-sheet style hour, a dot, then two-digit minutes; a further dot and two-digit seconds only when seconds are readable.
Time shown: 2.11.38
